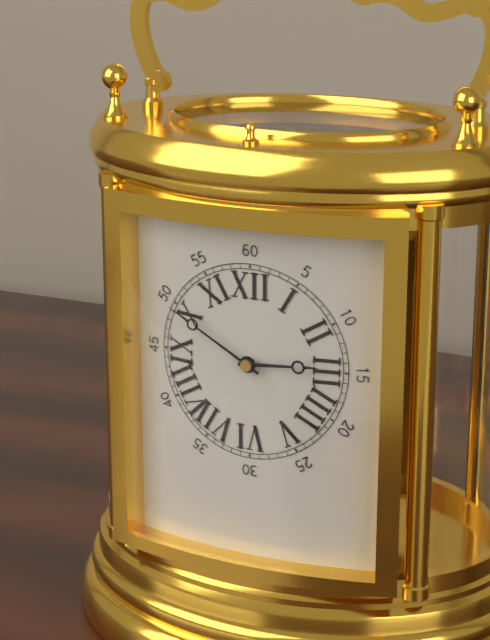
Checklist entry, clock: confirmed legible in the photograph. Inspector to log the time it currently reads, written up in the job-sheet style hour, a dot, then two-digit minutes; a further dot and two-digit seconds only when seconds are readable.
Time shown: 2.50
